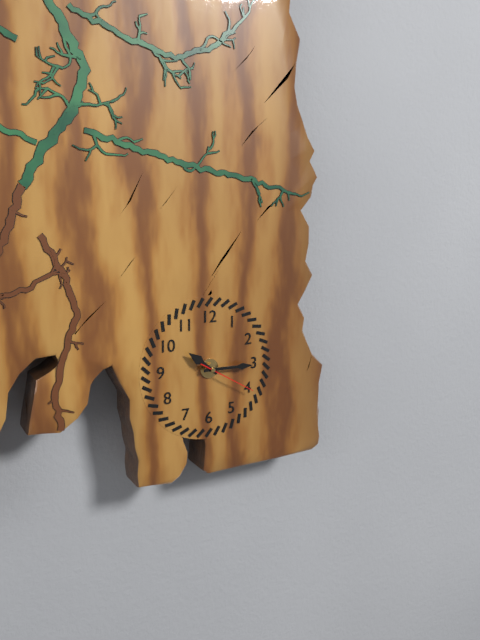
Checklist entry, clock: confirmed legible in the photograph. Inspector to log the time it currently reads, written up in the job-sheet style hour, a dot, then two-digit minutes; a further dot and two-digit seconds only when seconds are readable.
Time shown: 10.15.20
